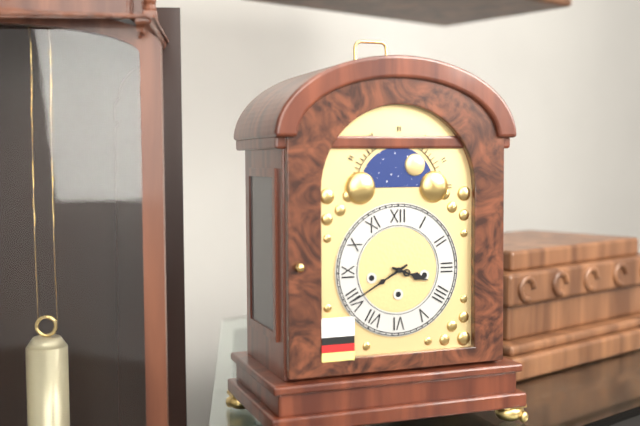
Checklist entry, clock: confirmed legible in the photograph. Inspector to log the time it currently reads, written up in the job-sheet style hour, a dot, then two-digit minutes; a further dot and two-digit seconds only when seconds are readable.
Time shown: 3.40
